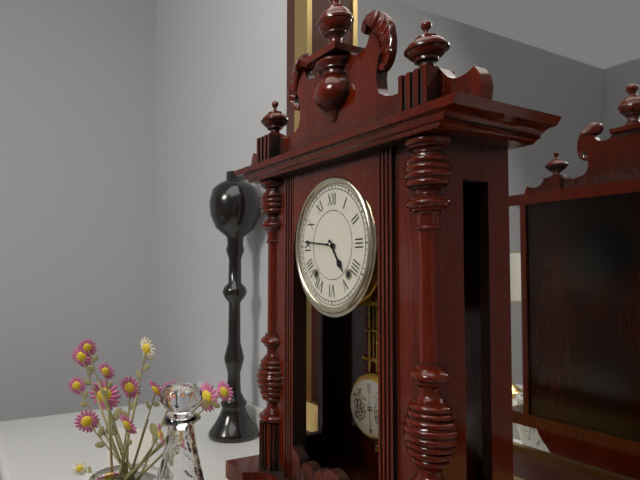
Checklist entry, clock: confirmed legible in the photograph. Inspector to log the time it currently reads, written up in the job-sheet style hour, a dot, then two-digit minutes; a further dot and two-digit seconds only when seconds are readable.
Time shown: 4.46
